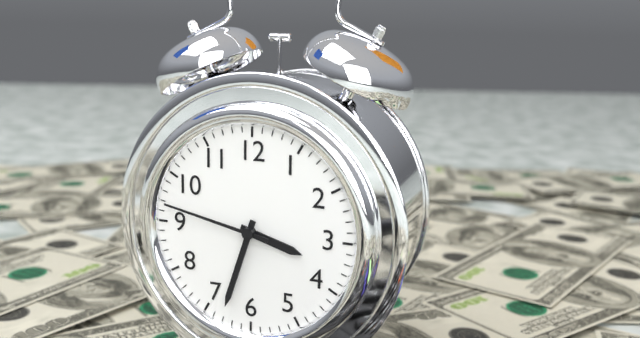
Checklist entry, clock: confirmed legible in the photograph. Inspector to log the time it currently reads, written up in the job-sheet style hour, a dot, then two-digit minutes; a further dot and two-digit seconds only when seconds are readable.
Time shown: 3.33.47
